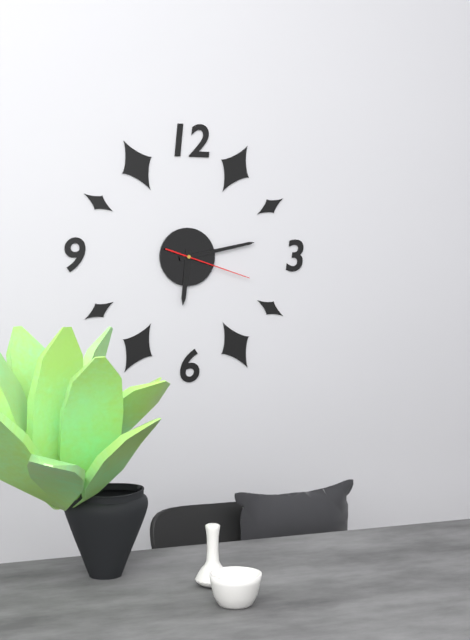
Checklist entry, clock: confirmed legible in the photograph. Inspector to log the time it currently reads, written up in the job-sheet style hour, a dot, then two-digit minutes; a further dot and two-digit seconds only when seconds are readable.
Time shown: 6.13.18
